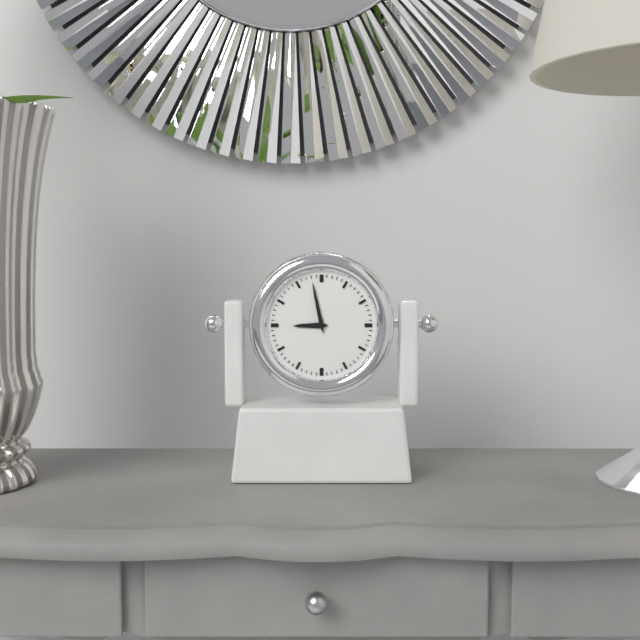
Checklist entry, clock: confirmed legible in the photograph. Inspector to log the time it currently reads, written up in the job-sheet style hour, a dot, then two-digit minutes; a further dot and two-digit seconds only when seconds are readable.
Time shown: 8.58
